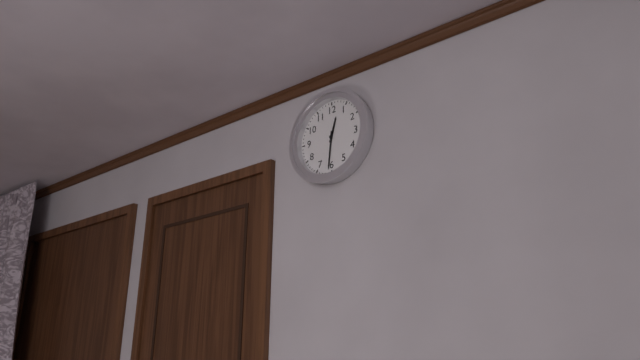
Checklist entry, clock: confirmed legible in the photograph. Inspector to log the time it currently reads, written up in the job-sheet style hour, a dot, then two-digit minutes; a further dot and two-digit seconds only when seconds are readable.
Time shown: 12.31
